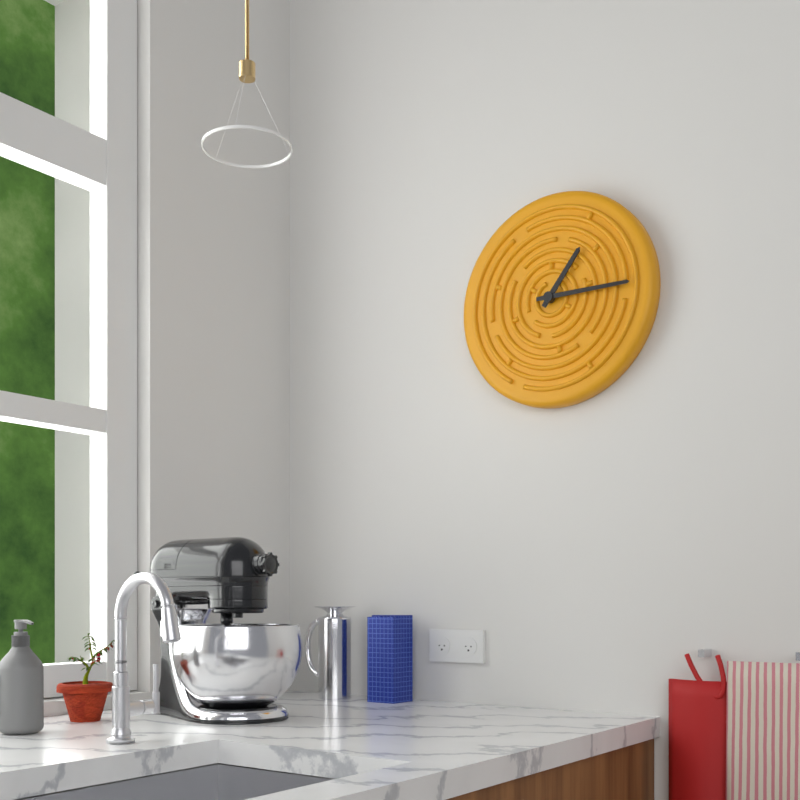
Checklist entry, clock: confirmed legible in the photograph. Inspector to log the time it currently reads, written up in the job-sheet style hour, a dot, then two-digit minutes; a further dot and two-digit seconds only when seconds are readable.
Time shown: 1.15
